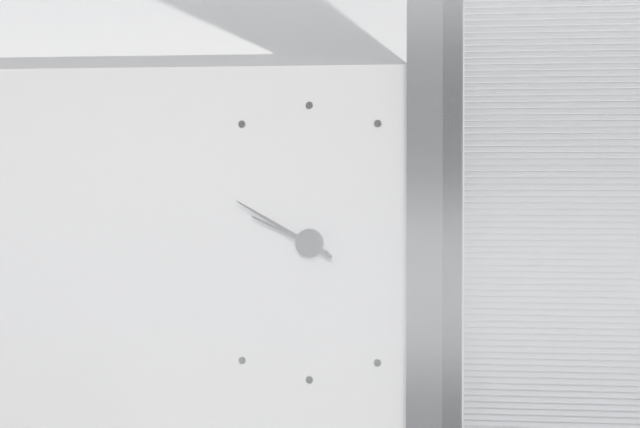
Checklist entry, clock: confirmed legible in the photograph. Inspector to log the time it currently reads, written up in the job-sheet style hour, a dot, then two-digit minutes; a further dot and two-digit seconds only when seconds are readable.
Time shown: 9.50
